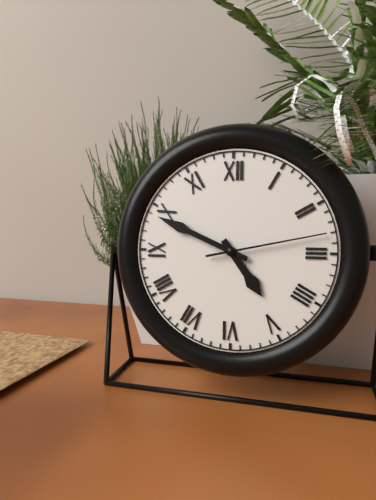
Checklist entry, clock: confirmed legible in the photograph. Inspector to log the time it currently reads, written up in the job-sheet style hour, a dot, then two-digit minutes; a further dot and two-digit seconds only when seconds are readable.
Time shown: 4.49.13
